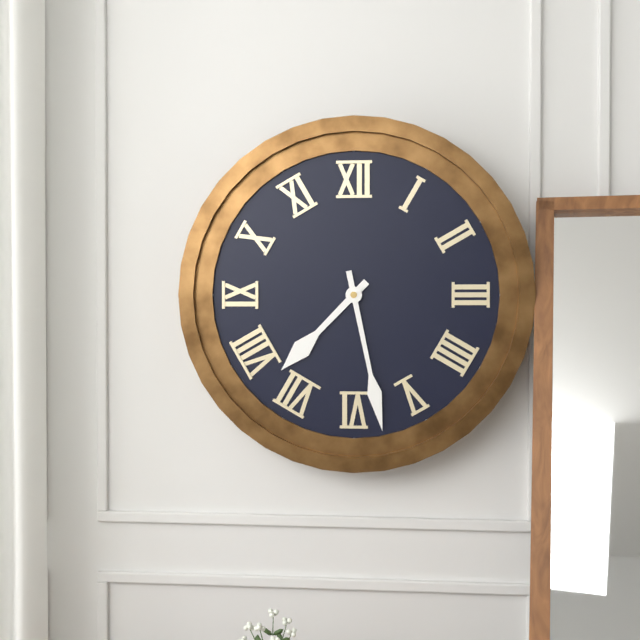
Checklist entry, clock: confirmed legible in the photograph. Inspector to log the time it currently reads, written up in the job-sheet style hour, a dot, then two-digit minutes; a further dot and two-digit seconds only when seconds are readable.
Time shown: 7.28
